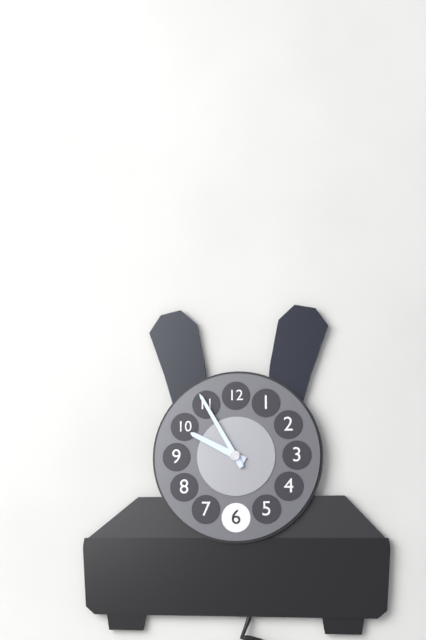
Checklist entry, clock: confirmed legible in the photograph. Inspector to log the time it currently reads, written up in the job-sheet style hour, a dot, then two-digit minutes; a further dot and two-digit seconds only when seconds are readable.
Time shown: 9.55
